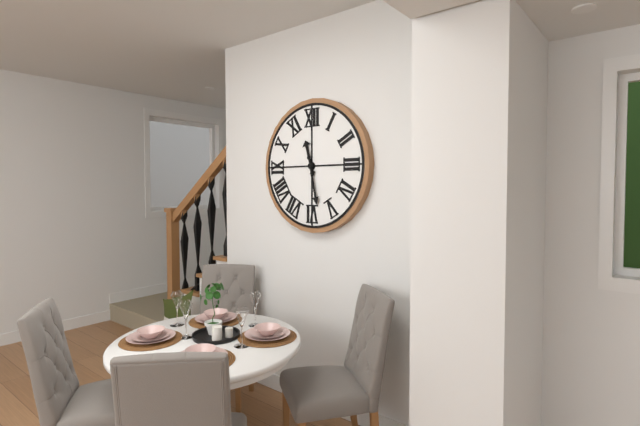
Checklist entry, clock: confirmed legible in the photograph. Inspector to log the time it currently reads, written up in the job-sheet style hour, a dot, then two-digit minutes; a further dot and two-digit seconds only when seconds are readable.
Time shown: 11.28
